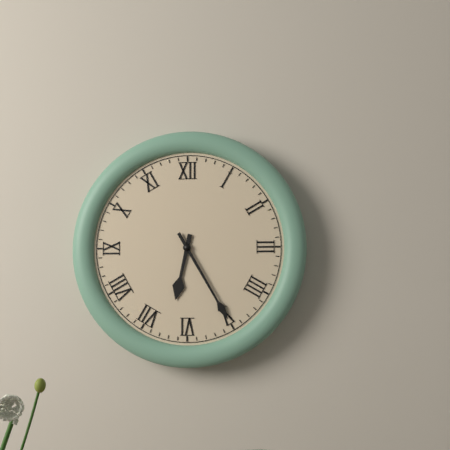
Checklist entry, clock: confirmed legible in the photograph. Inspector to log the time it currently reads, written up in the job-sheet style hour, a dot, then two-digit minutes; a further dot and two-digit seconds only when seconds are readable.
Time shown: 6.25
